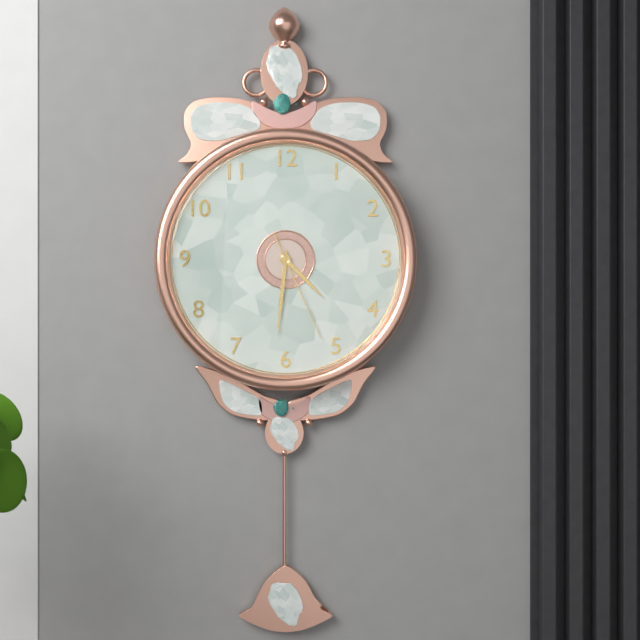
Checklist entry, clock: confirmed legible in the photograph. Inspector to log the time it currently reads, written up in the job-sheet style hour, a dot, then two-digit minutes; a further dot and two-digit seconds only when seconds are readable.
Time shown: 4.31.26
